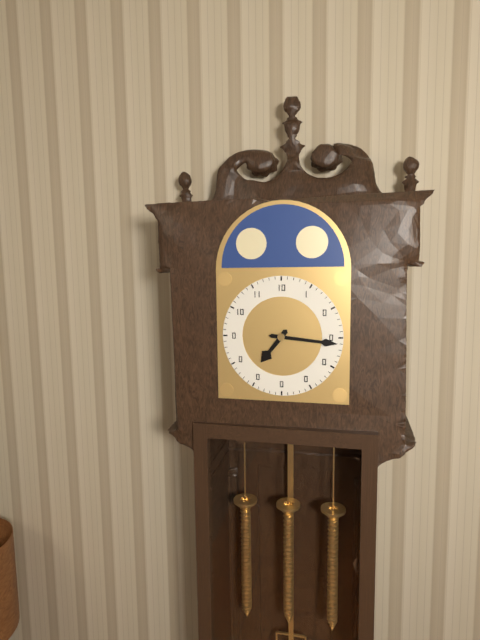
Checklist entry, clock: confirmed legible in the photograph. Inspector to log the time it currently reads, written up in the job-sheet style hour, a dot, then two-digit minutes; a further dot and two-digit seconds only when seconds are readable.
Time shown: 7.16
